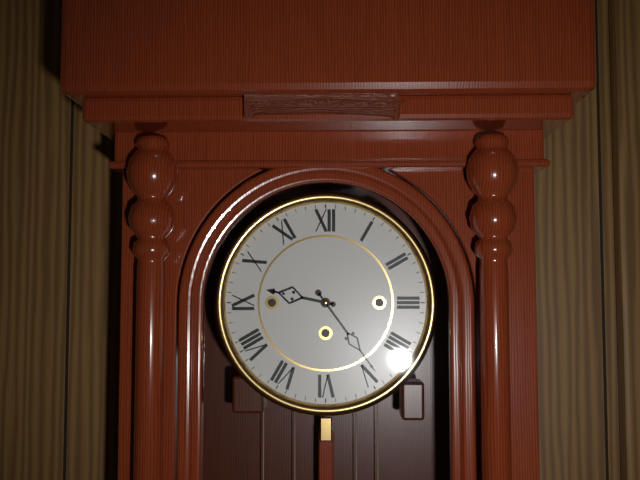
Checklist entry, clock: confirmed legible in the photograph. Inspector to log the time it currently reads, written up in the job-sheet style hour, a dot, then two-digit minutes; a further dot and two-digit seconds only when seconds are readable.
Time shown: 9.24
